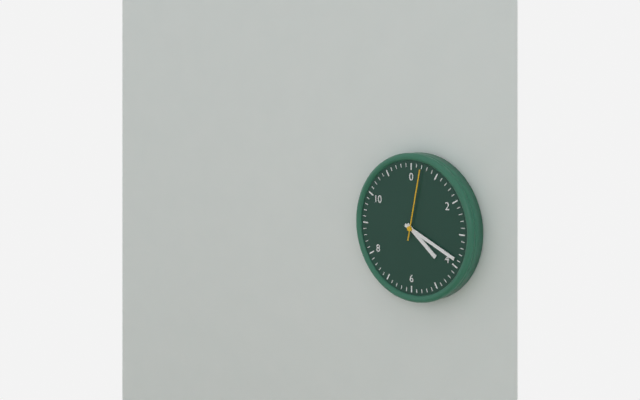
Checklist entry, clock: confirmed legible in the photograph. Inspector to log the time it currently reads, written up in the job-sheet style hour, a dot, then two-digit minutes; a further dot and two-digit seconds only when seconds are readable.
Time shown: 4.19.02
